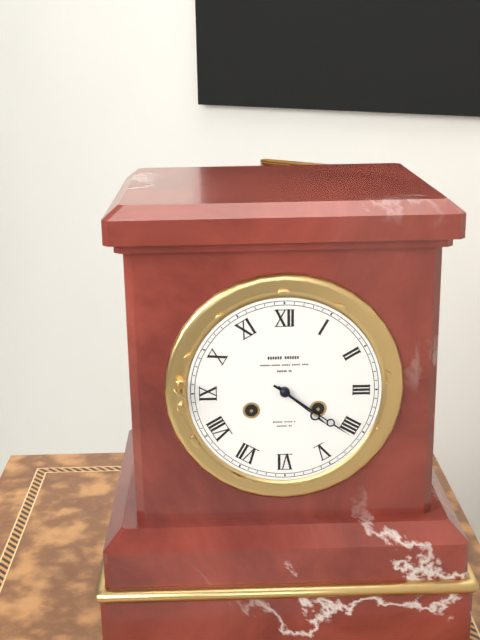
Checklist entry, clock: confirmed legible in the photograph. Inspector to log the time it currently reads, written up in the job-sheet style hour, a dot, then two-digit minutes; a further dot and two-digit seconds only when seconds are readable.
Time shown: 4.21
